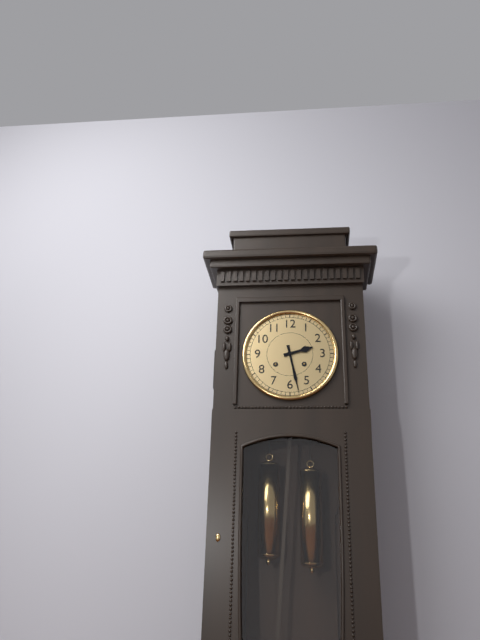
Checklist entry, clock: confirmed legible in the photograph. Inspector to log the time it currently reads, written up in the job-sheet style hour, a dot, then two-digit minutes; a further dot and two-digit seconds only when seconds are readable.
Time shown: 2.28
